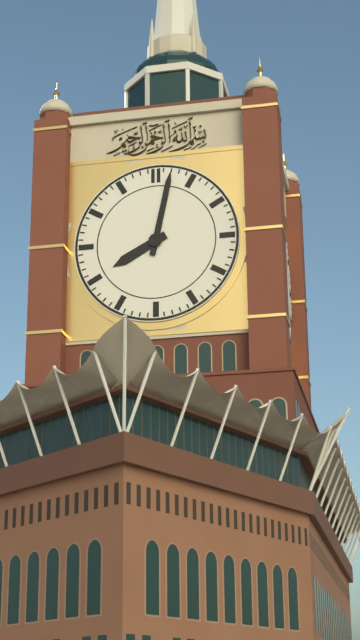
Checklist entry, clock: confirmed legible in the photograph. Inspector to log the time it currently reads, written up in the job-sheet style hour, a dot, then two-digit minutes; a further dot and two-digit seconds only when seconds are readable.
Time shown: 8.02
